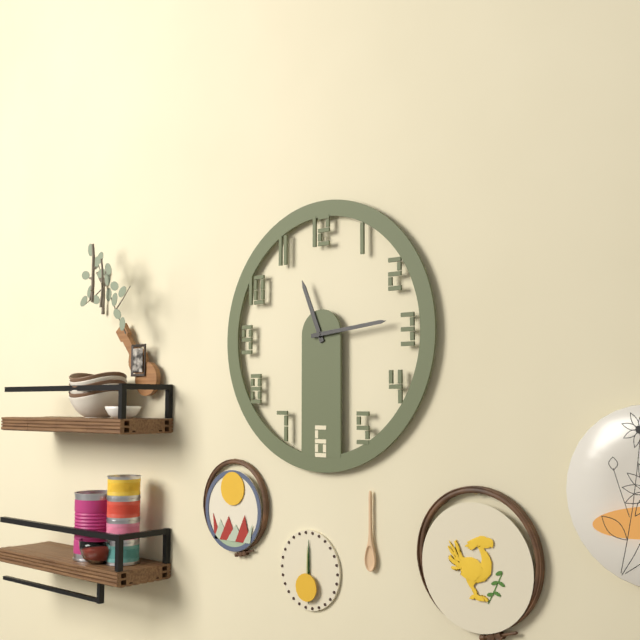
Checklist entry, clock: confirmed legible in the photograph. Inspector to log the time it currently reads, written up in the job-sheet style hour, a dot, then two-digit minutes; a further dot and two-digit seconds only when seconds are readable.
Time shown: 11.14
